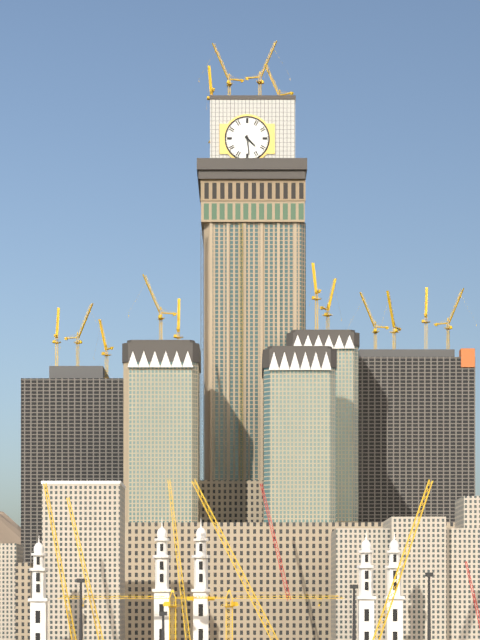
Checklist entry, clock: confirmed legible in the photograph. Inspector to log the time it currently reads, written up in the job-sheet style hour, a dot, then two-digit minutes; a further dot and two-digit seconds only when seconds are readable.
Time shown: 4.29
